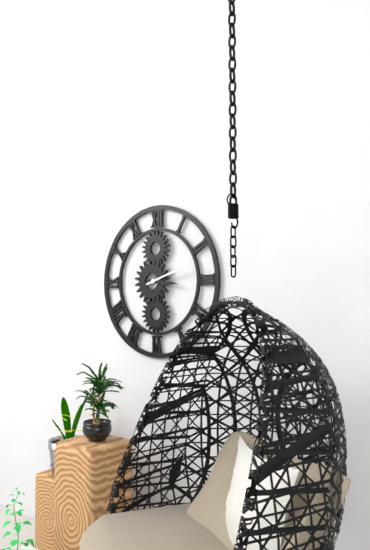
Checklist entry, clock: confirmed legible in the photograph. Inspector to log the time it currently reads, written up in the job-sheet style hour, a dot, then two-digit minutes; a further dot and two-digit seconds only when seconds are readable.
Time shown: 3.12
